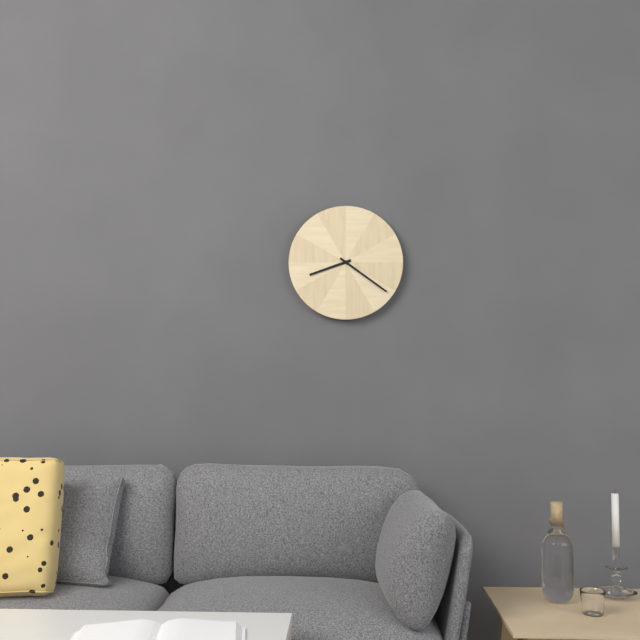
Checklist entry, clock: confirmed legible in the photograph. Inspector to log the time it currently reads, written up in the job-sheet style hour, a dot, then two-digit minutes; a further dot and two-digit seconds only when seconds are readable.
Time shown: 8.21
